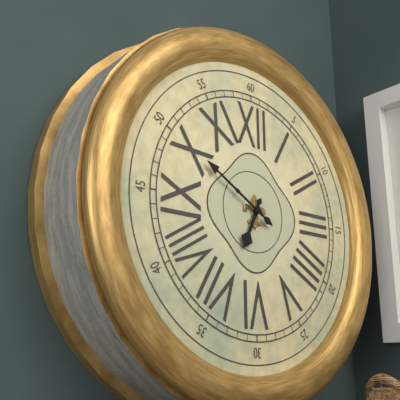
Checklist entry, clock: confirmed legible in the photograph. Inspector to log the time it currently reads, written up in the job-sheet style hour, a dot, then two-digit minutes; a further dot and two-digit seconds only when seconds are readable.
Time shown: 6.50
